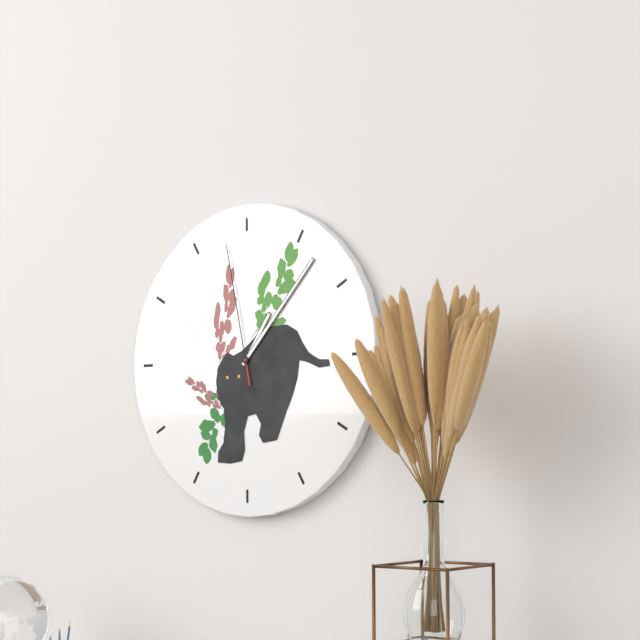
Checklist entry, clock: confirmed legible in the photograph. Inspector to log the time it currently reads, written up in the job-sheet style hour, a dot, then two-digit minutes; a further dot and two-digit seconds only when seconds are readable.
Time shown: 1.07.58
